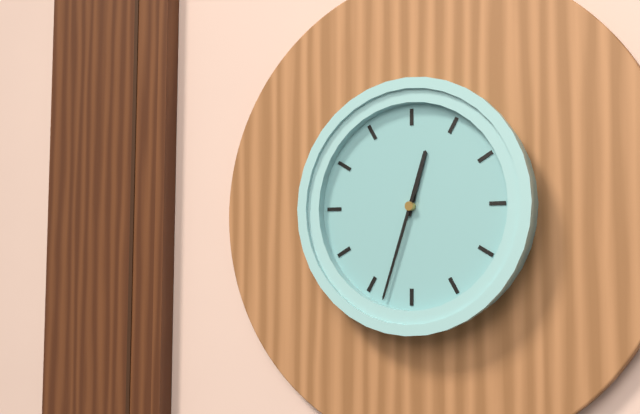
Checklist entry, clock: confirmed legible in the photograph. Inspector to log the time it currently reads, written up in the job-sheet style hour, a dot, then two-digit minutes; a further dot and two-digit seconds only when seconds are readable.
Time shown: 12.33
